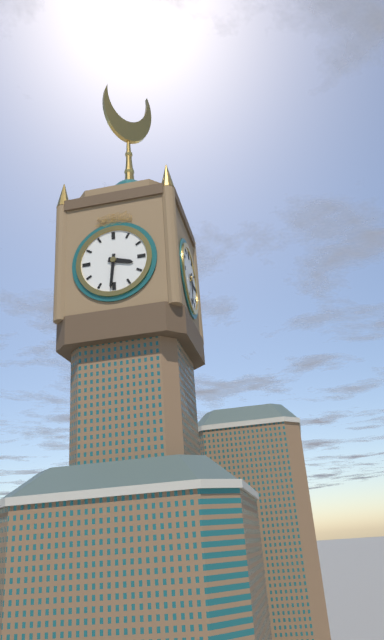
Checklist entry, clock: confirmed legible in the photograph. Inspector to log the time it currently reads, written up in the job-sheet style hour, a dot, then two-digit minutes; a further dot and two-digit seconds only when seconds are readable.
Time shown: 3.31
